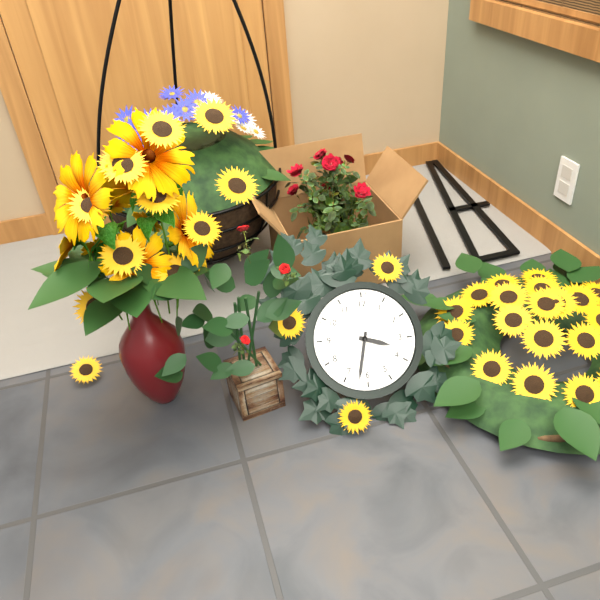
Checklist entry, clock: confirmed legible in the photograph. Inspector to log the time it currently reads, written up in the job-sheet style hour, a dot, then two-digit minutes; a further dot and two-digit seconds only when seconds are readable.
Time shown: 3.32
